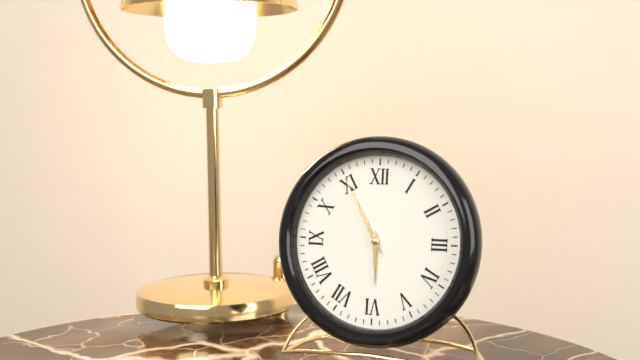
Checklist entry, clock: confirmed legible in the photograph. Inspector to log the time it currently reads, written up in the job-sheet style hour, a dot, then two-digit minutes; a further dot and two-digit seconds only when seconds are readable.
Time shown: 5.55
